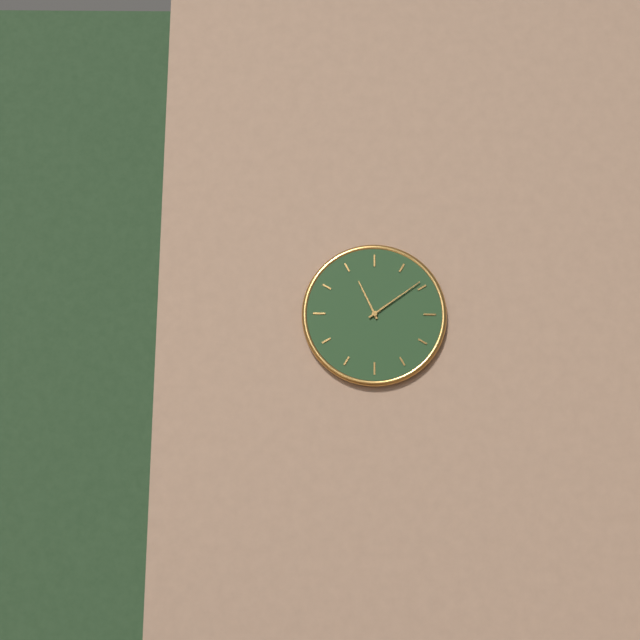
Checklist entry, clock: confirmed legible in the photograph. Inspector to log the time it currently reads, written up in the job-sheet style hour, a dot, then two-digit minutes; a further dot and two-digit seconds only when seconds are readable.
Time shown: 11.09
